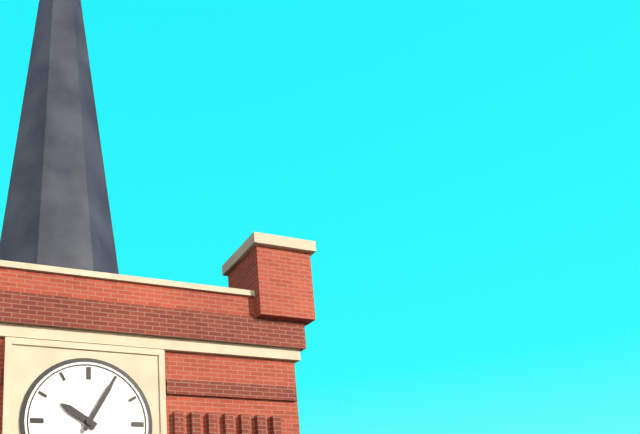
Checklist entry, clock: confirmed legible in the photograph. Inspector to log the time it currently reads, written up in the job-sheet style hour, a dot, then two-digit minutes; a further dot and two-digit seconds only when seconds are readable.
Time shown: 10.05
